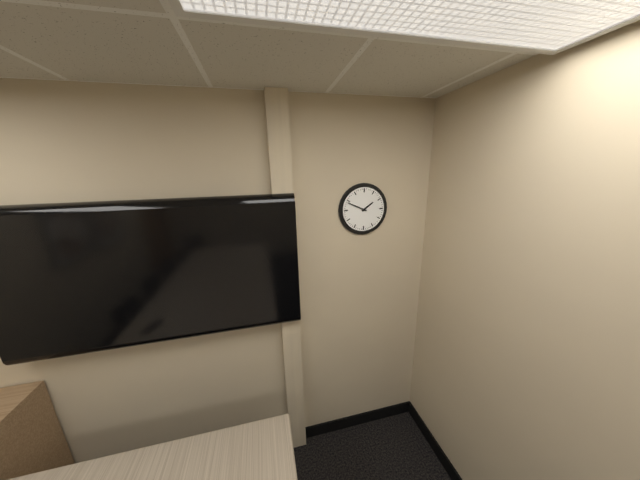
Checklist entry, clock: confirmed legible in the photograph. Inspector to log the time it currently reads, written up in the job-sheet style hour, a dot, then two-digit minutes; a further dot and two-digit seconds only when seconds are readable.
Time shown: 1.49
